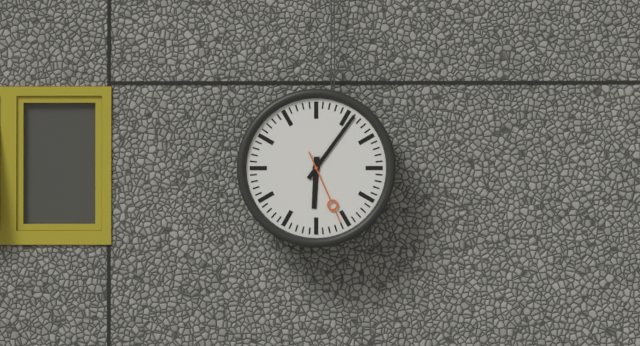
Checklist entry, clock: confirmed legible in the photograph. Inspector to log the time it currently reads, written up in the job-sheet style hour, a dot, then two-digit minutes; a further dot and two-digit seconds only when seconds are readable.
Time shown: 6.06.26
